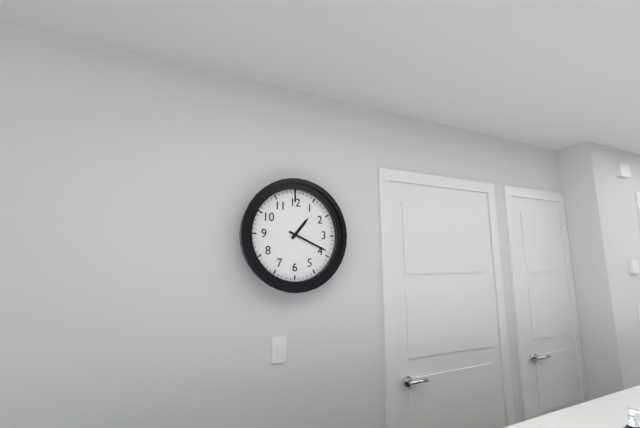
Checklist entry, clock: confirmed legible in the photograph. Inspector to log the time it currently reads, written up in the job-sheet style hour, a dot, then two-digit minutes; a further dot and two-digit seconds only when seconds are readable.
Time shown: 1.19
